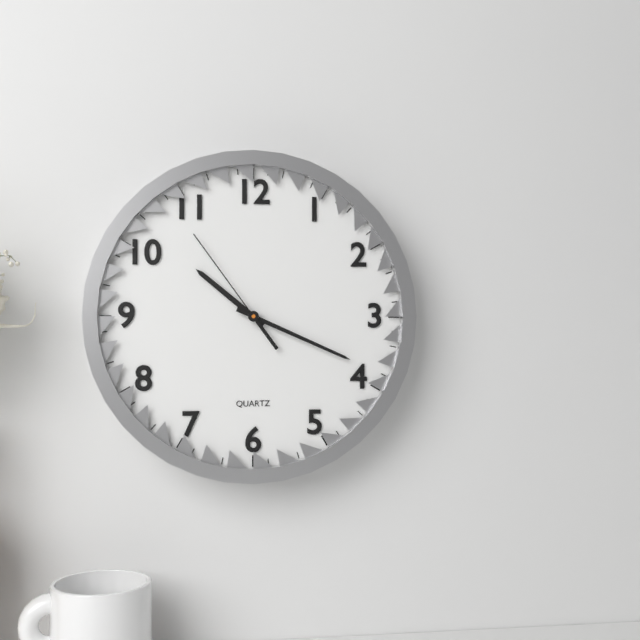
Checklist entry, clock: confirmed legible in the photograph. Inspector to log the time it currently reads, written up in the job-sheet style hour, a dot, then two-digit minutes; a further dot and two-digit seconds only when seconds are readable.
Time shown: 10.19.54
